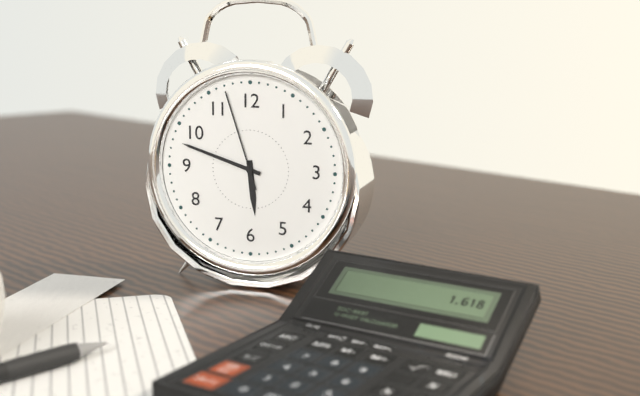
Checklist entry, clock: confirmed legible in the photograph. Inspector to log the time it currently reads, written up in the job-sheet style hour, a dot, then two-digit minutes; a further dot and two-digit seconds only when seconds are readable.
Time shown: 5.48.57
